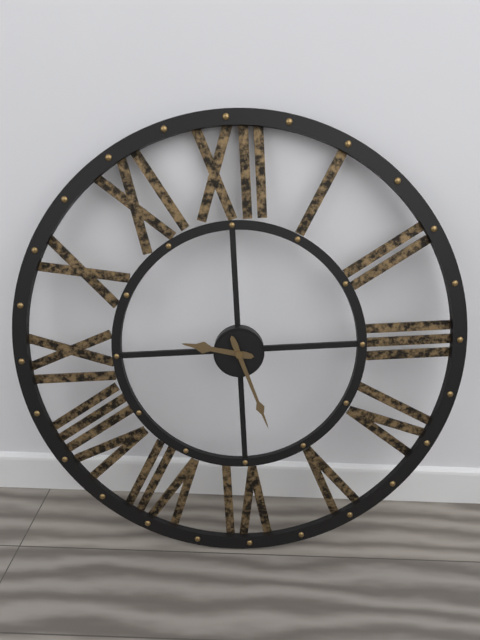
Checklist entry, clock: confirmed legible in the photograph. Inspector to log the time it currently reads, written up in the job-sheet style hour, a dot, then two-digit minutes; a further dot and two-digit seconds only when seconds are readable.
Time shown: 9.27
